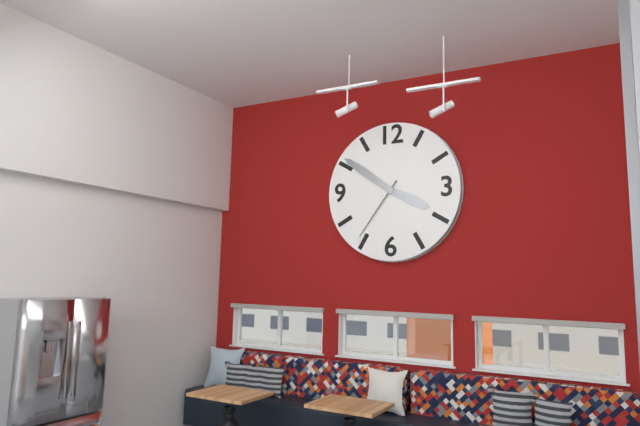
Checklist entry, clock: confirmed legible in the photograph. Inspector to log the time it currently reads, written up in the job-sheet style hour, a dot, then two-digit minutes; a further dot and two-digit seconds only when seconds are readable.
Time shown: 3.51.36
